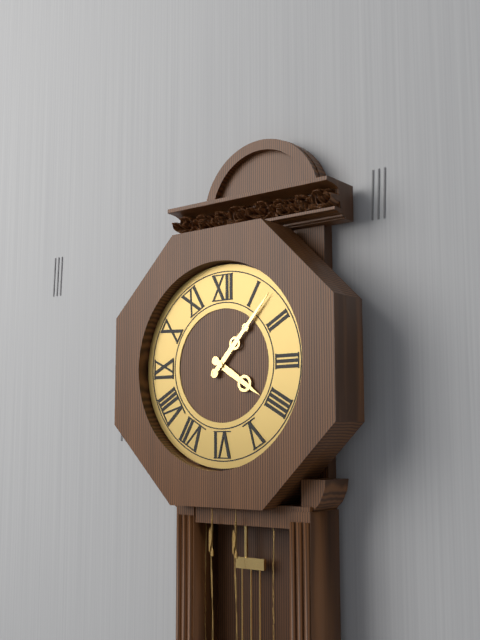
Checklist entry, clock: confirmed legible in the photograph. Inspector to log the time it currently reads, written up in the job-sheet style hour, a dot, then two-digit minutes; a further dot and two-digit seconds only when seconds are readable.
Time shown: 4.07
